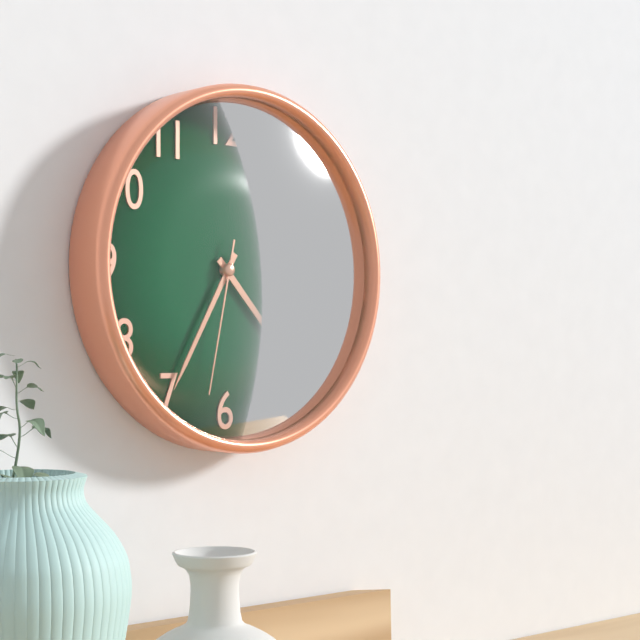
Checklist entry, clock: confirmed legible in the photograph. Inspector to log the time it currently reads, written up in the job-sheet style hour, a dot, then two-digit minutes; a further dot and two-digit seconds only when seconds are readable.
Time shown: 4.35.32
